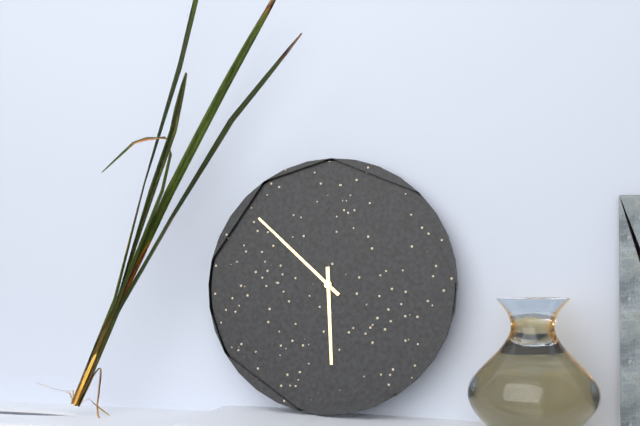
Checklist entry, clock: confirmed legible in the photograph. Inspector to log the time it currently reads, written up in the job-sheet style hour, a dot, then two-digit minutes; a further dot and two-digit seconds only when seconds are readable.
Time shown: 5.52
